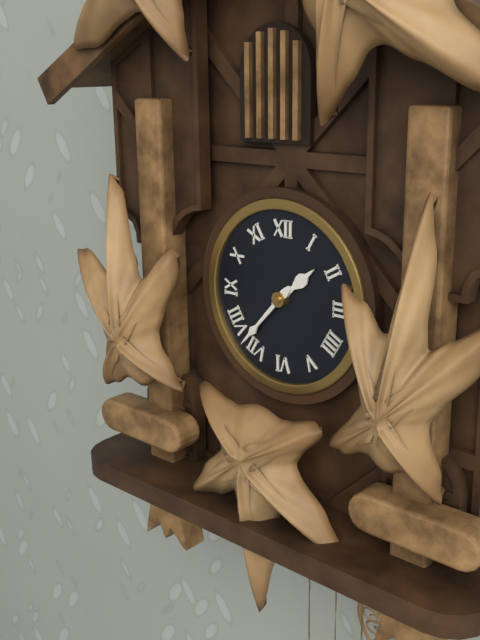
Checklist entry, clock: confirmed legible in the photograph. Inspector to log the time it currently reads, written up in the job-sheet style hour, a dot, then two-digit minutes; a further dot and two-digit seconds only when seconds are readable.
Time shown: 1.37
